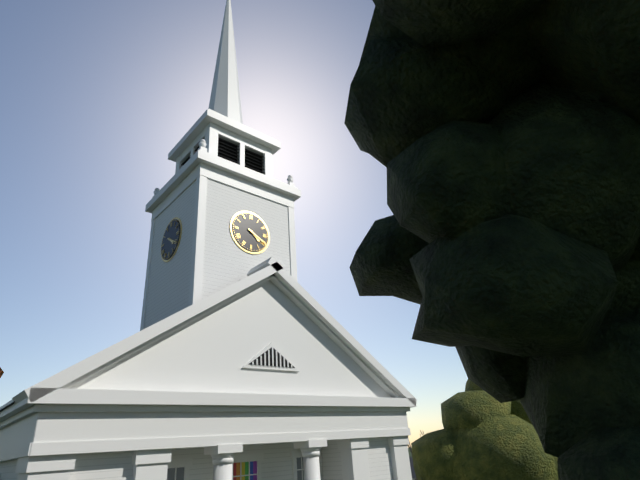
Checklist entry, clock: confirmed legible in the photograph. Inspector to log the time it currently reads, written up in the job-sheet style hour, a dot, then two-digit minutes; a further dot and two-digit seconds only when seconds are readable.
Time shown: 4.20
